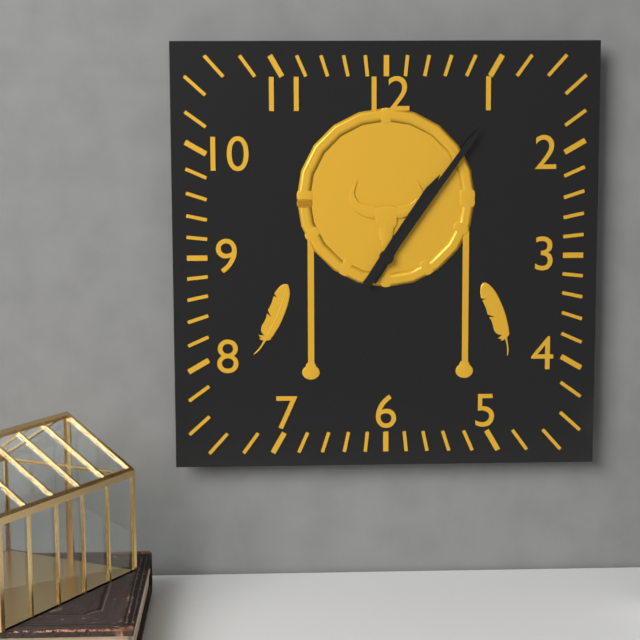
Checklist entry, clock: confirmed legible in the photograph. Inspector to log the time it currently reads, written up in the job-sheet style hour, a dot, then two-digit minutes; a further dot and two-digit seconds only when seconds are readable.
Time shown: 1.06
